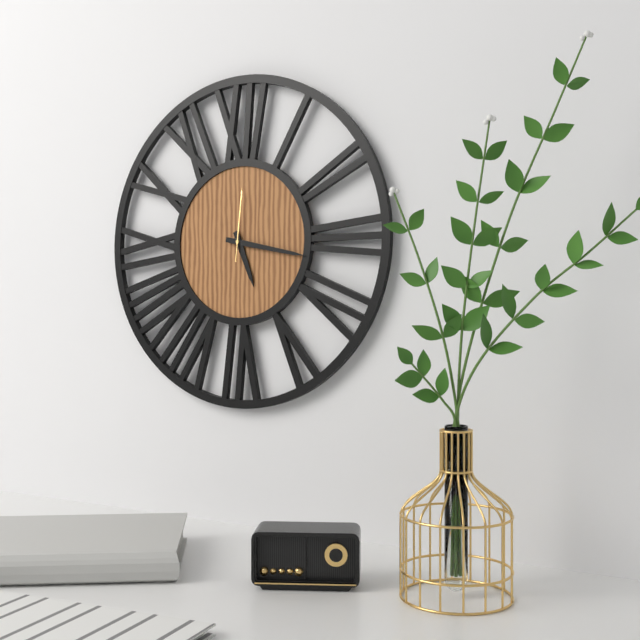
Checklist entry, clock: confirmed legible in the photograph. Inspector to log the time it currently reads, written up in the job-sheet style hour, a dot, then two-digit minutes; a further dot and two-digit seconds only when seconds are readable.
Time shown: 5.17.01
